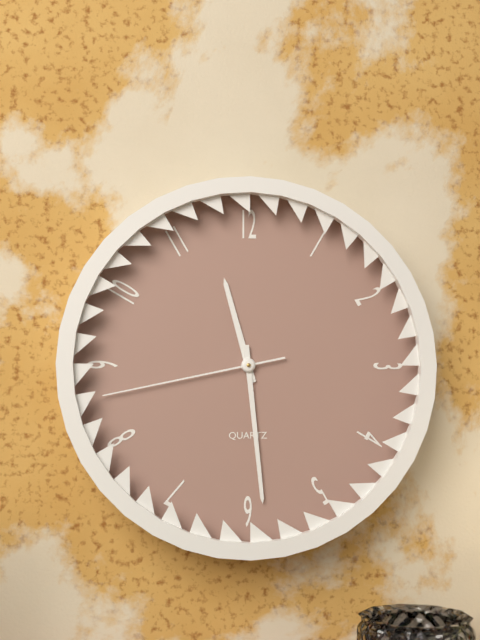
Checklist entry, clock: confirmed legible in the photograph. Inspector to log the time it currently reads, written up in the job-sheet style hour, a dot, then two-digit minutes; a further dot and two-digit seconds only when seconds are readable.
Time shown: 11.29.43
